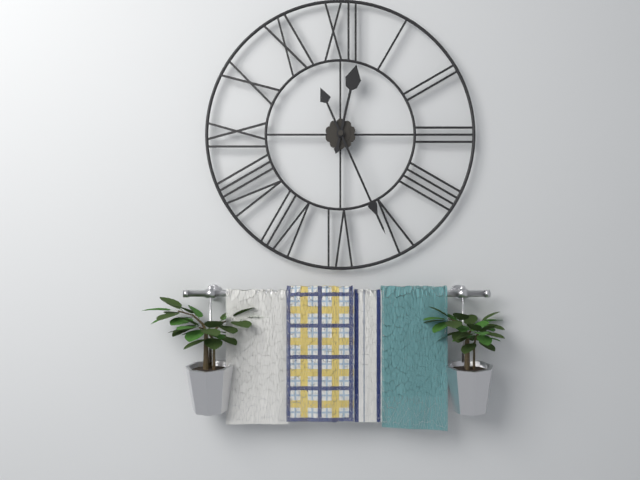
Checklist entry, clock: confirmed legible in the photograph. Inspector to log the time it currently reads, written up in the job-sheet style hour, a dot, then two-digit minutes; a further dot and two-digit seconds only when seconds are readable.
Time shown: 12.26
